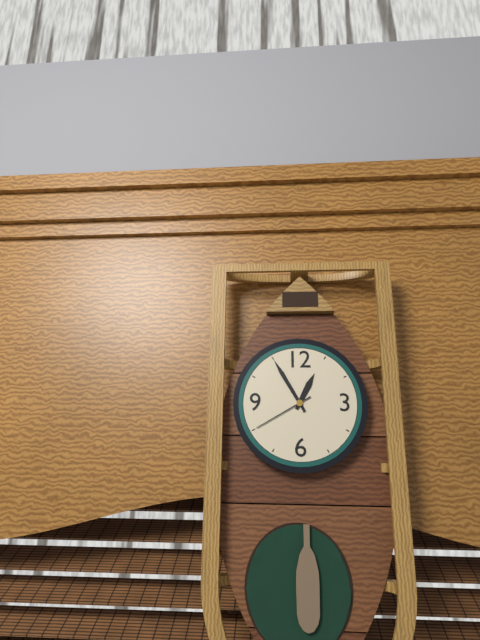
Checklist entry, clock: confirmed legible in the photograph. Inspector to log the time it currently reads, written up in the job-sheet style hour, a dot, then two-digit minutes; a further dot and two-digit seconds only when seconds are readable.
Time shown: 12.55.40
